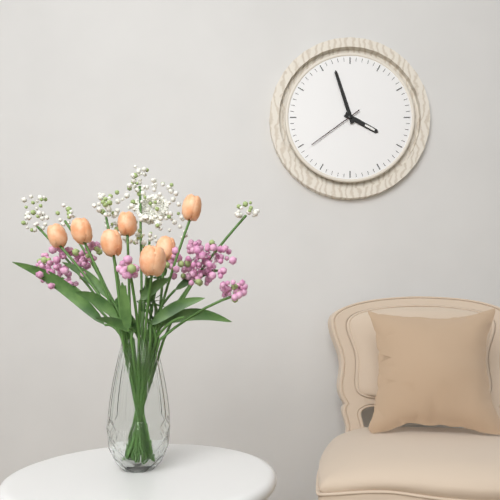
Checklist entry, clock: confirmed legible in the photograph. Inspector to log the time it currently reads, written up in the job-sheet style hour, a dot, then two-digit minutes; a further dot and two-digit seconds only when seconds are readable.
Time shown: 3.57.39
